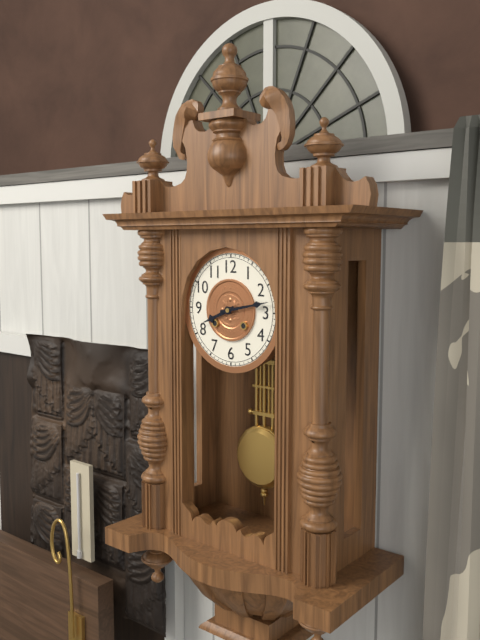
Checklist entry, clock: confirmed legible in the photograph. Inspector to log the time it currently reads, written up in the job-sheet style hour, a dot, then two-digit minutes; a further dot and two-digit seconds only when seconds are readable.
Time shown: 8.13
